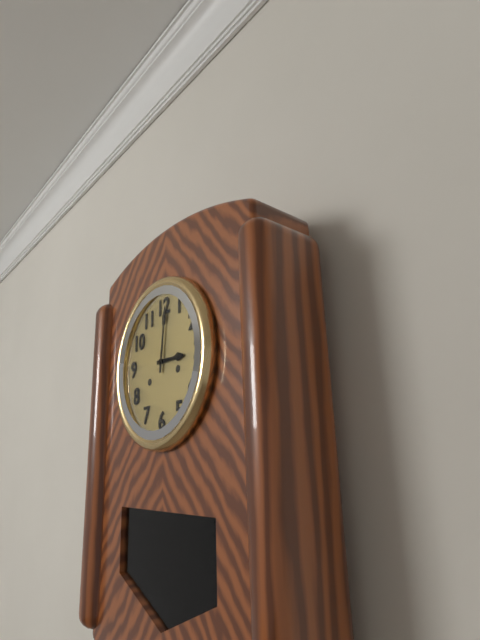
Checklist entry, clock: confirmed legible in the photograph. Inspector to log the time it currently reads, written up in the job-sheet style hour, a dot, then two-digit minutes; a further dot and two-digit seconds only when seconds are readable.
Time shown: 3.01
